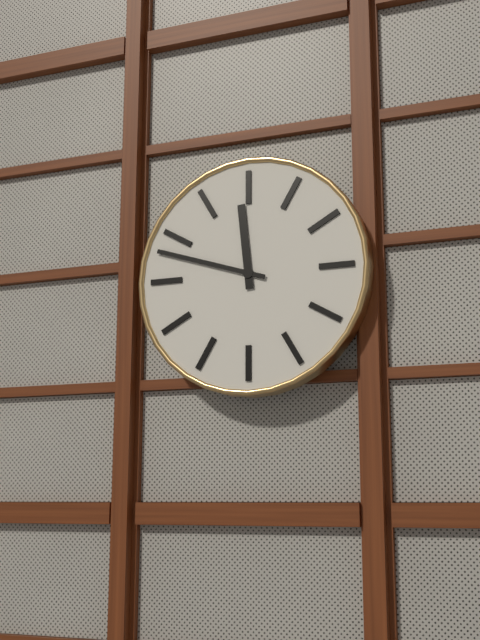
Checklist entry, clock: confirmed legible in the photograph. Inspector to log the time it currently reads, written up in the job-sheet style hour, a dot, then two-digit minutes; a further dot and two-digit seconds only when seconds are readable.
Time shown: 11.48
